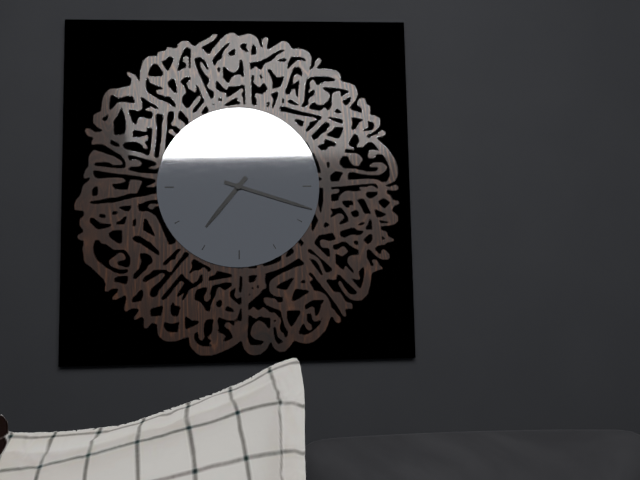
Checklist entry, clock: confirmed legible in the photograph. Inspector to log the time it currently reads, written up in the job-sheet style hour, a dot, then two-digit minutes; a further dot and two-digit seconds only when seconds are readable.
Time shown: 7.18
